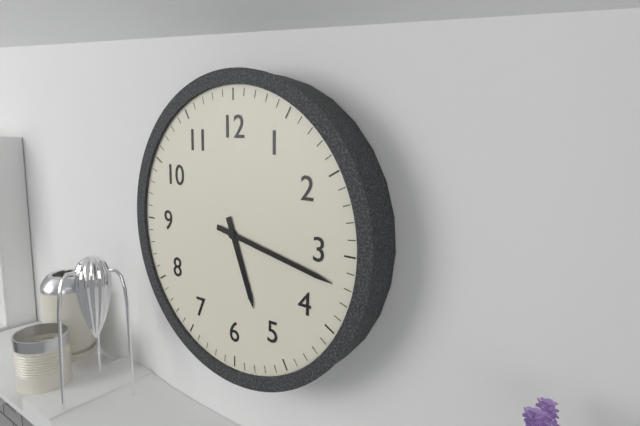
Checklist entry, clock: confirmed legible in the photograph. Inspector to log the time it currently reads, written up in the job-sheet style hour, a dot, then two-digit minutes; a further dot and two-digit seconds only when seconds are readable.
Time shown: 5.17
